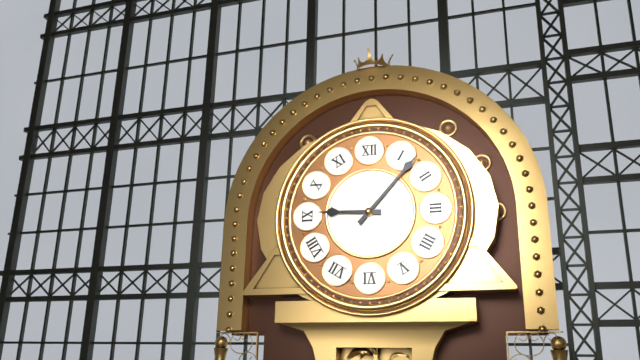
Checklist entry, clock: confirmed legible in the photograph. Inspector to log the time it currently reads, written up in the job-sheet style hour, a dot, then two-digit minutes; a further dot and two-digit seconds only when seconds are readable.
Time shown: 9.07
